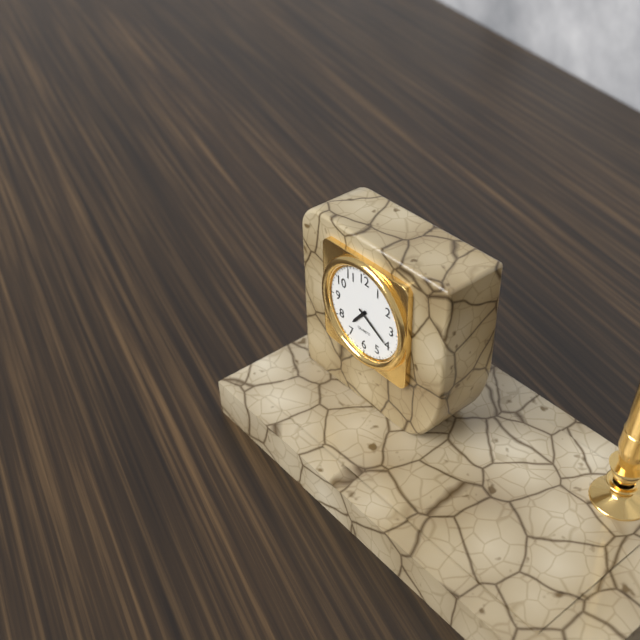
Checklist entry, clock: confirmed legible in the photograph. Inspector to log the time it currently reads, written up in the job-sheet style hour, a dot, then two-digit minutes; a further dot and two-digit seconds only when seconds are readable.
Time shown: 7.20
